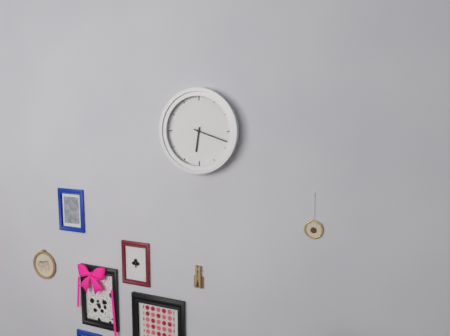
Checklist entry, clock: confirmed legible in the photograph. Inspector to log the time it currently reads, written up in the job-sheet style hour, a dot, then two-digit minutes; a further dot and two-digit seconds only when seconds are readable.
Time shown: 6.18
